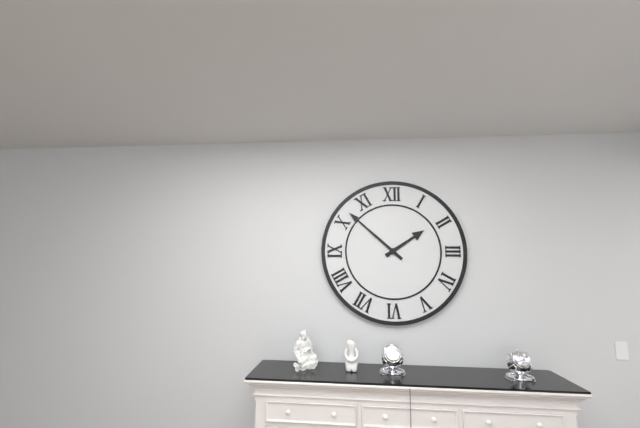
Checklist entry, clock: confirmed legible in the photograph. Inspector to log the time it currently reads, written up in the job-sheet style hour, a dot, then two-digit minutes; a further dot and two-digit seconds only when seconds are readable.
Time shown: 1.52
